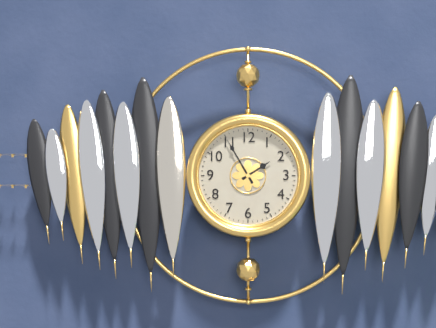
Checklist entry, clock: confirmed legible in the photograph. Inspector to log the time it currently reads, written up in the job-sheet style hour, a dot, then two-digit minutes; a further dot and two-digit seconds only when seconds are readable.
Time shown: 1.55
